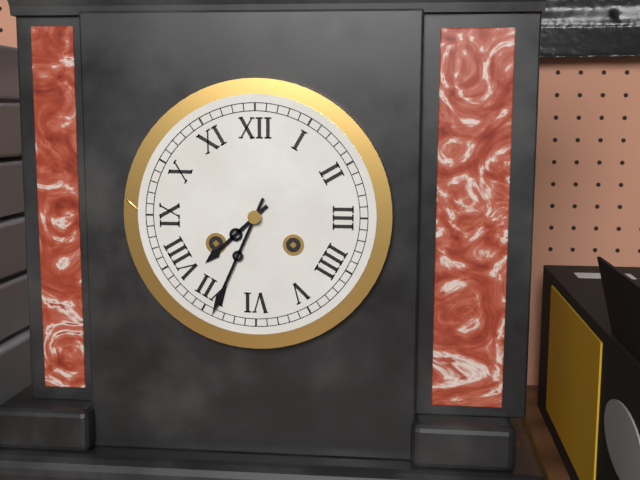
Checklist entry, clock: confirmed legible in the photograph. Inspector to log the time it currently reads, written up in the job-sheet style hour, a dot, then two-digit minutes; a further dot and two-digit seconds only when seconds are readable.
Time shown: 7.34
